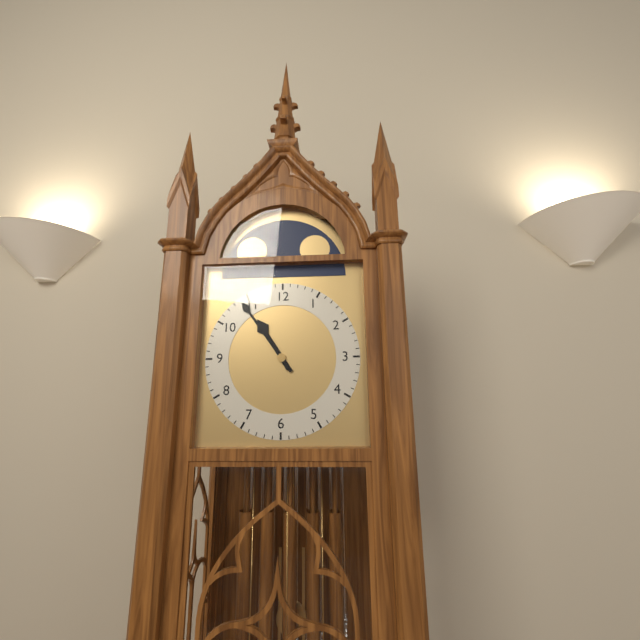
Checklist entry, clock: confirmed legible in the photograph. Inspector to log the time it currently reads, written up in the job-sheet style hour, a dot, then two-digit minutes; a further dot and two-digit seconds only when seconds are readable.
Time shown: 10.54
